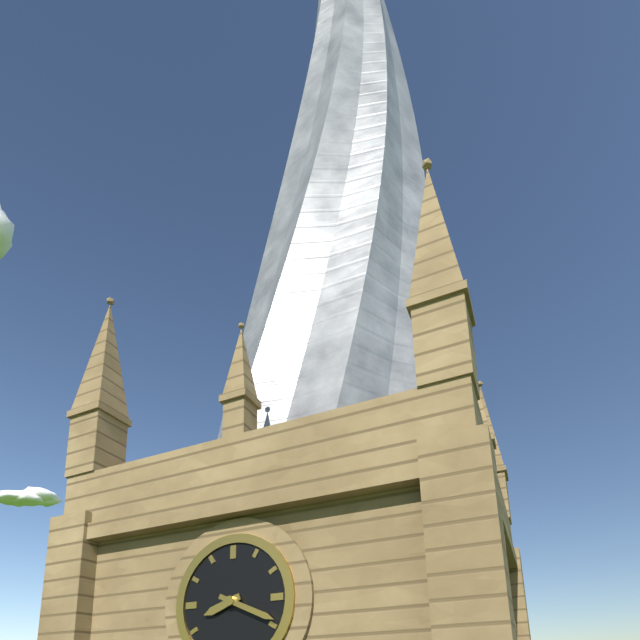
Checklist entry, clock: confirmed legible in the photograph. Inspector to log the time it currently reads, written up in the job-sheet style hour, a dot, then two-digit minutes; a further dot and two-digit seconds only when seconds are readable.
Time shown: 8.19
